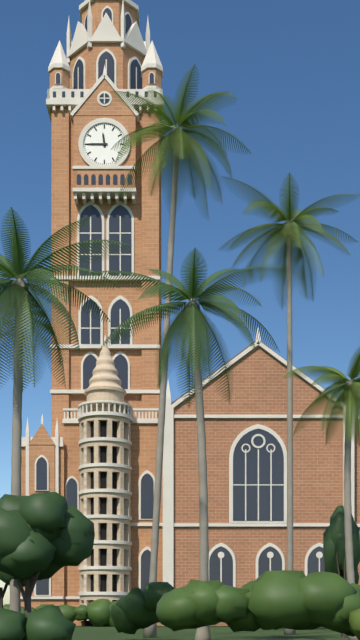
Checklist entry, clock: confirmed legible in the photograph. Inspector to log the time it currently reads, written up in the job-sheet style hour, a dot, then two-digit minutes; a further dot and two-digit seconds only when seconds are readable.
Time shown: 11.45
